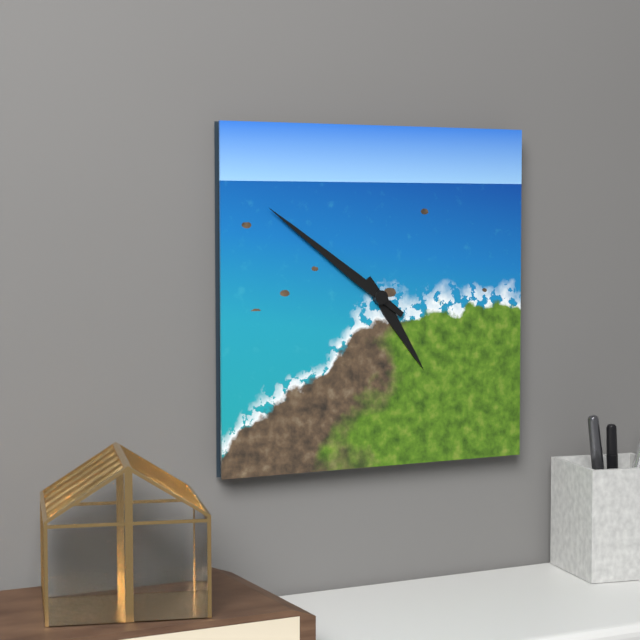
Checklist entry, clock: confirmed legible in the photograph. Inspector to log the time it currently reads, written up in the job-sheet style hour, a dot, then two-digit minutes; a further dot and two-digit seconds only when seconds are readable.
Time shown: 4.51
